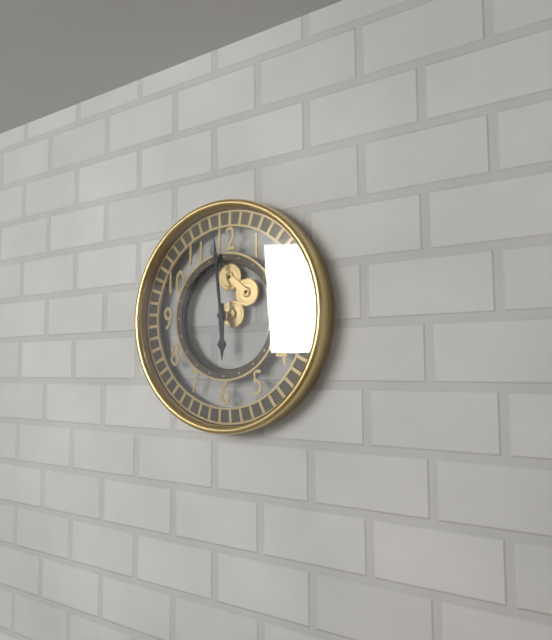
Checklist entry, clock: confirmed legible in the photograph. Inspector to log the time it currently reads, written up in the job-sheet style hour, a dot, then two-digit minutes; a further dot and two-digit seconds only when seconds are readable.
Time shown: 5.59
